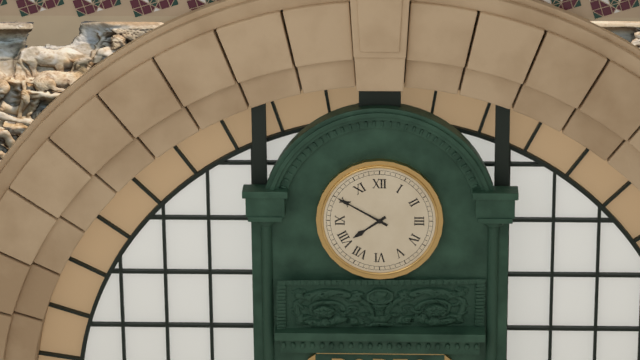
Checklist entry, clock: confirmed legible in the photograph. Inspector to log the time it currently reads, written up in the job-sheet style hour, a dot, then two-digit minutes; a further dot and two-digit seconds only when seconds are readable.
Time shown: 7.50
